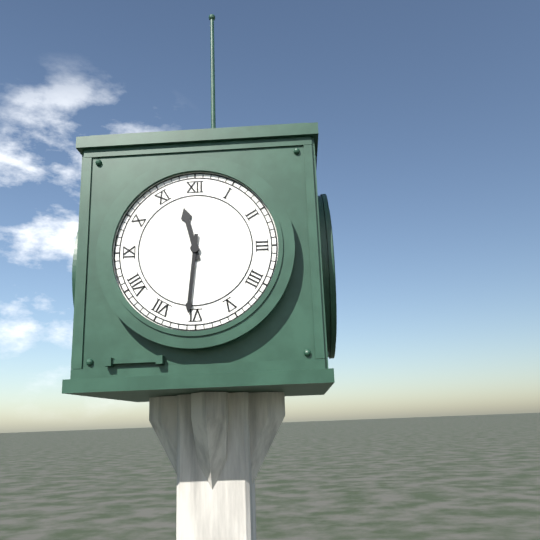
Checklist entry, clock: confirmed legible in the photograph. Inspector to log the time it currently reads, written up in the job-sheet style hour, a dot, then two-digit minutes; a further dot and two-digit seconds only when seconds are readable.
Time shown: 11.31
